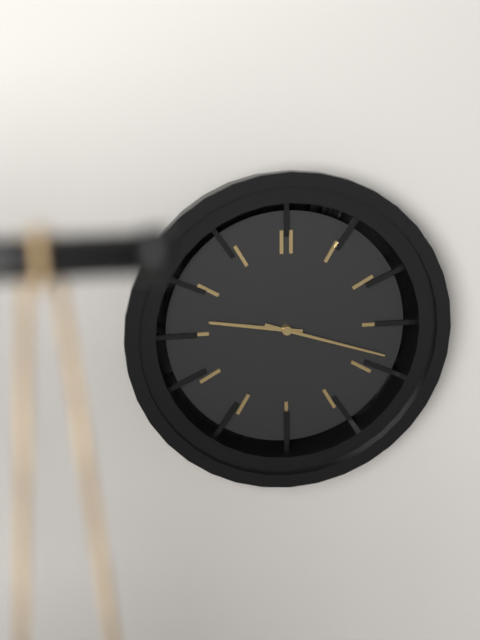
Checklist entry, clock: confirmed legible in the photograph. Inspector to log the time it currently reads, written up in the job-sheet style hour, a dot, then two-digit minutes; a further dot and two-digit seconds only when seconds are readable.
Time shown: 9.18
